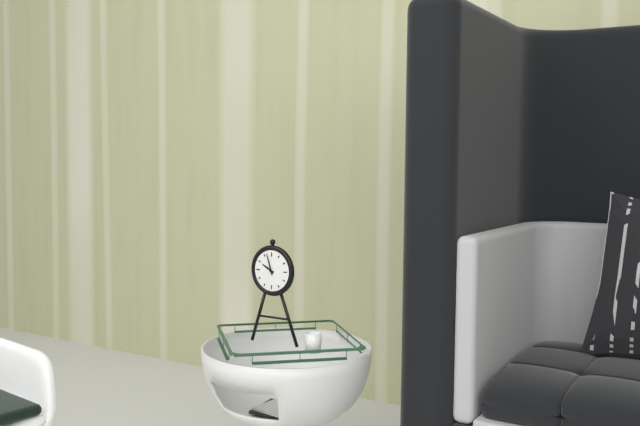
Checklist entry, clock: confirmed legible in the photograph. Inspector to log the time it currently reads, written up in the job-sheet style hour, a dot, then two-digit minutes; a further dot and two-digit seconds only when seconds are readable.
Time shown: 9.57
